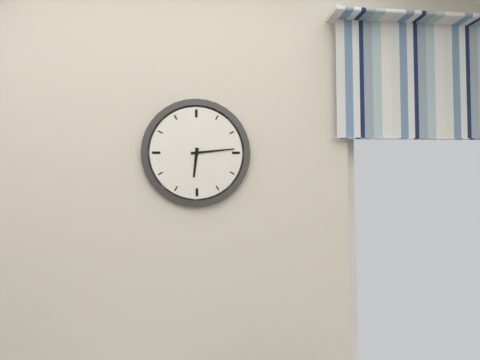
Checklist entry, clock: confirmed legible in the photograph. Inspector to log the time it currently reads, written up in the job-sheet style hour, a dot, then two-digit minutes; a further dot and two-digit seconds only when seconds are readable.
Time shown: 6.14
